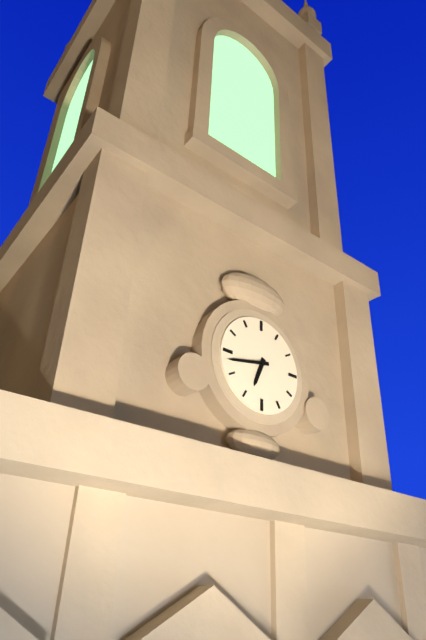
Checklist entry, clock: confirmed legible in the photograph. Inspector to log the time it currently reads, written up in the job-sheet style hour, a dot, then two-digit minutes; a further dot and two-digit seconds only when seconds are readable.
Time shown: 6.43
